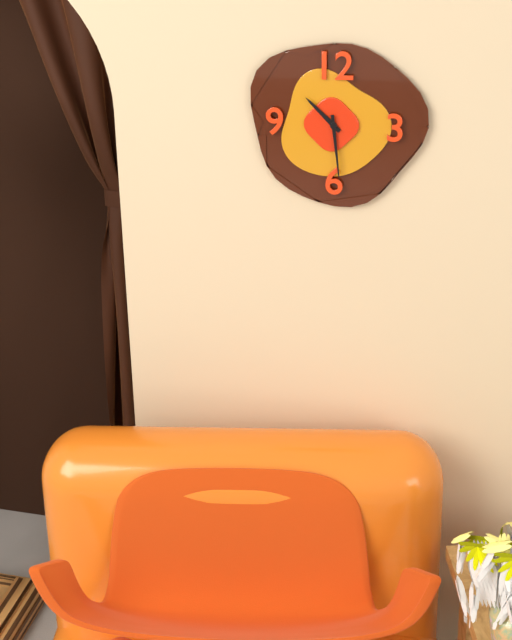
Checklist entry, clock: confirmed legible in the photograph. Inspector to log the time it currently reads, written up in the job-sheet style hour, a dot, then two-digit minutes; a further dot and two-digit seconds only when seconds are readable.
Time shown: 10.29
